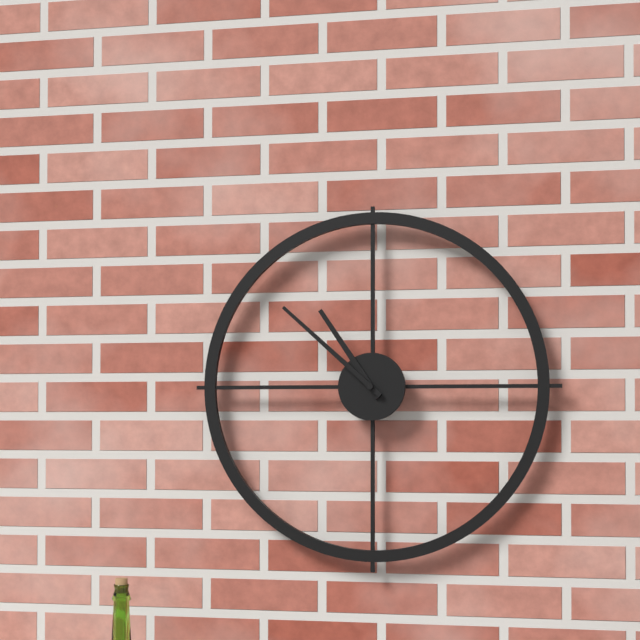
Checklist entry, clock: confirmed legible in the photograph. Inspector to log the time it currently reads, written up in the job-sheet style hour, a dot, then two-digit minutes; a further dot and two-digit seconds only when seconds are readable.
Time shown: 10.52
